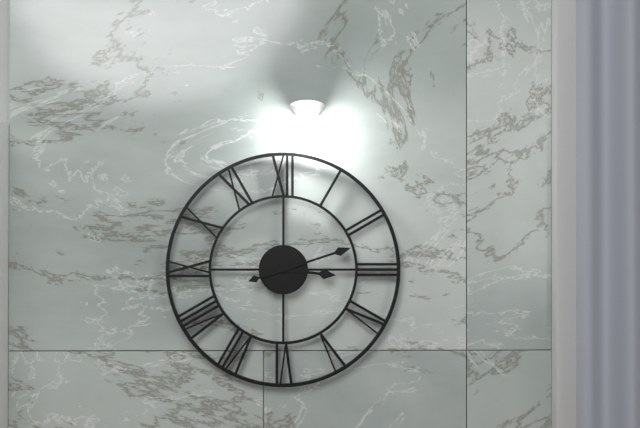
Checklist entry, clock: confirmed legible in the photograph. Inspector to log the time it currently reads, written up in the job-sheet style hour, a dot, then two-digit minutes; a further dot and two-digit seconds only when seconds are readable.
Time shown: 3.12
